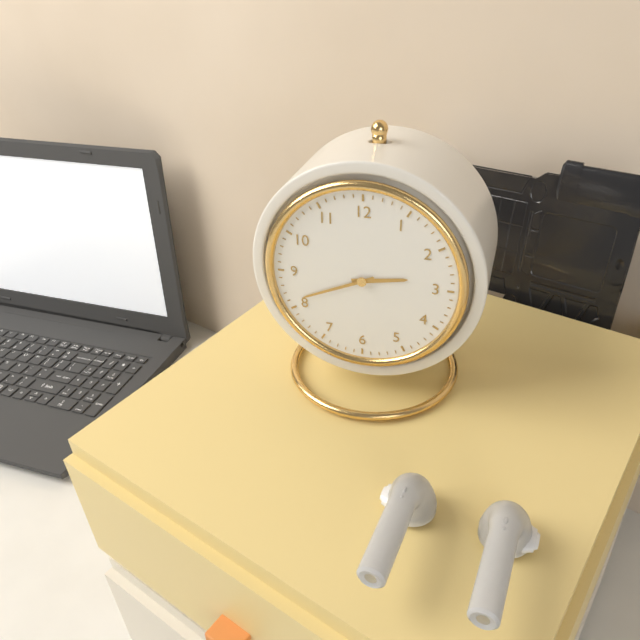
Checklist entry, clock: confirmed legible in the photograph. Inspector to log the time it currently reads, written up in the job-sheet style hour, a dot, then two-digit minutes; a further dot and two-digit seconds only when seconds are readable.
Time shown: 2.41
